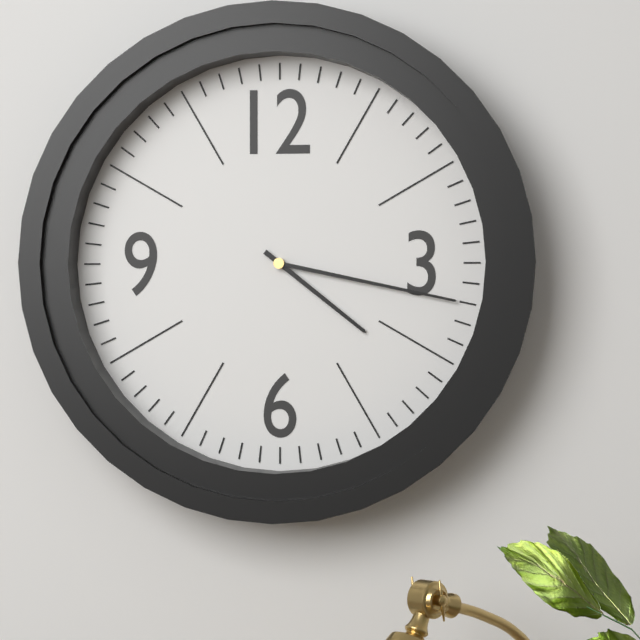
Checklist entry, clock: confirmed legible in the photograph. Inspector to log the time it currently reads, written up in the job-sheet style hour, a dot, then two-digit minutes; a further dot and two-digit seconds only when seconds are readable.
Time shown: 4.17
